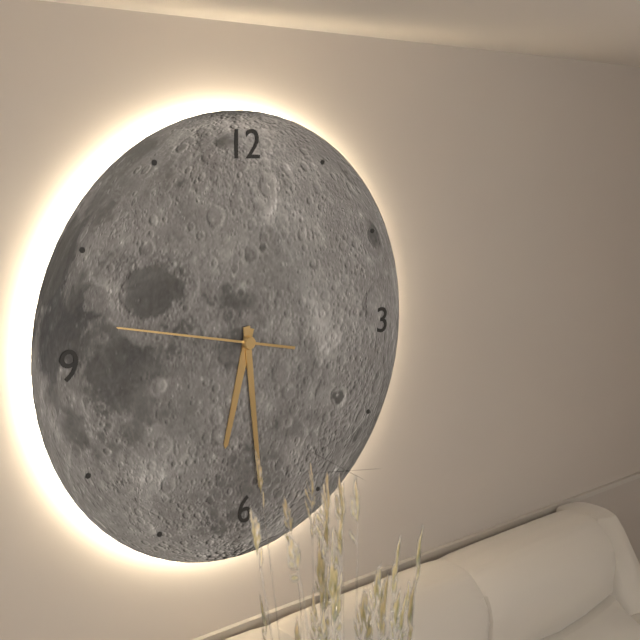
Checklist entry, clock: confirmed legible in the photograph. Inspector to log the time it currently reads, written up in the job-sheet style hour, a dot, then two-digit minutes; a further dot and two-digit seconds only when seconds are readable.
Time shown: 6.29.47
